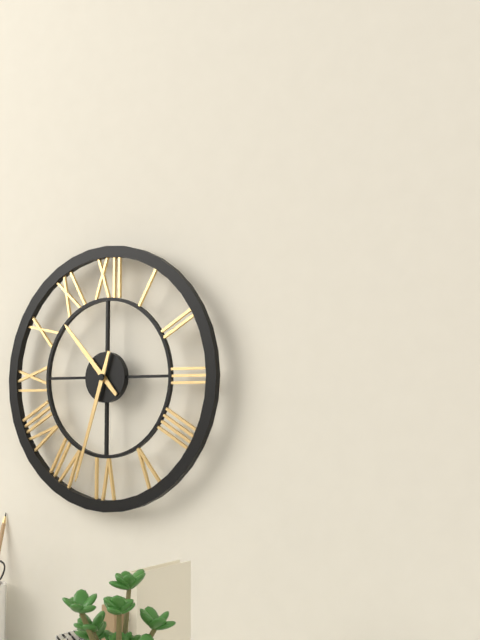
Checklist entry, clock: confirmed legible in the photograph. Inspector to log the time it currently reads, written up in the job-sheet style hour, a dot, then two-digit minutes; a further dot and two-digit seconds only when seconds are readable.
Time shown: 10.33
